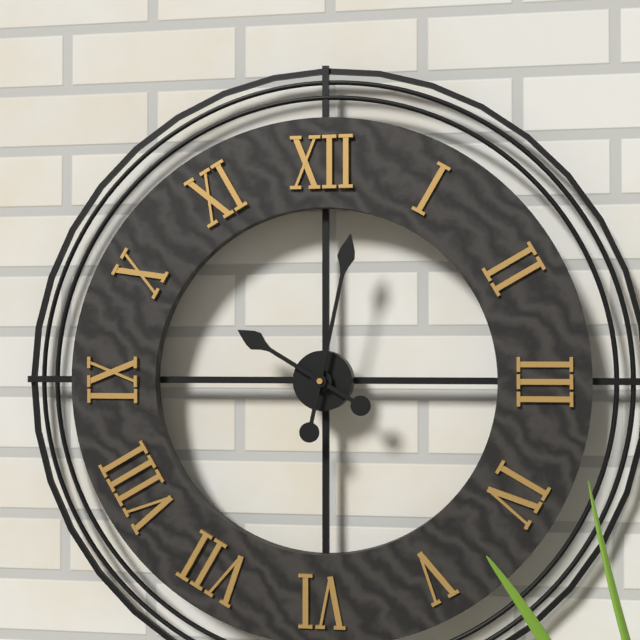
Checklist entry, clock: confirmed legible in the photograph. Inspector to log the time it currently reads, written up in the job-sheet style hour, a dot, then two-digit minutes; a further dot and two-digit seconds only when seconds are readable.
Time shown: 10.02
